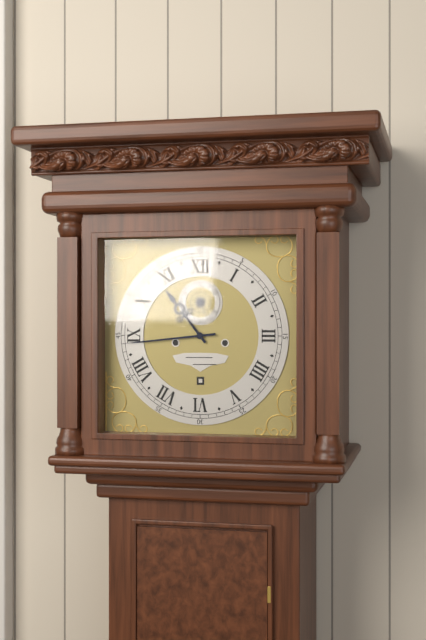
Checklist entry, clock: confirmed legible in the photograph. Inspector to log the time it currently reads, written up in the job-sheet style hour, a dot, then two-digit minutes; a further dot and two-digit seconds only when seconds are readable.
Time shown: 10.44
